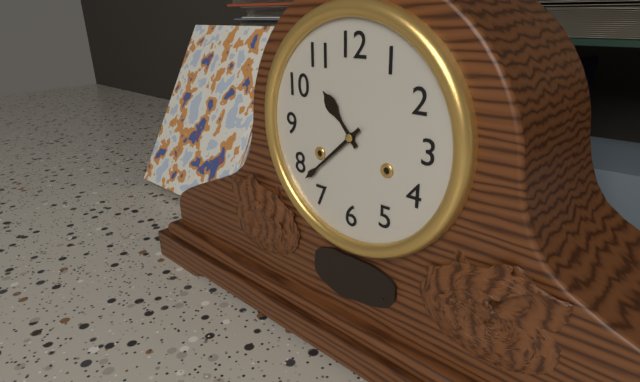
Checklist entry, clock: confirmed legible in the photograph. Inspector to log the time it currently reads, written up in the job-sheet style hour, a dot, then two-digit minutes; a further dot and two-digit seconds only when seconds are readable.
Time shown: 10.38
